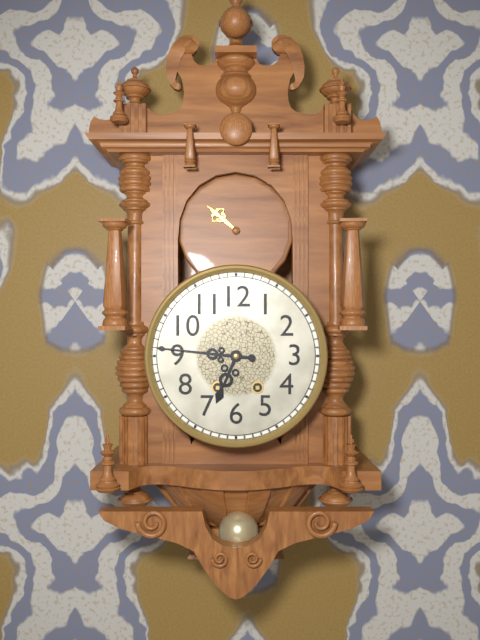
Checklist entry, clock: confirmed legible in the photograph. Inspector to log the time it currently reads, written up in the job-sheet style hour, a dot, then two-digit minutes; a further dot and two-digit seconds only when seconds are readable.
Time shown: 6.46
